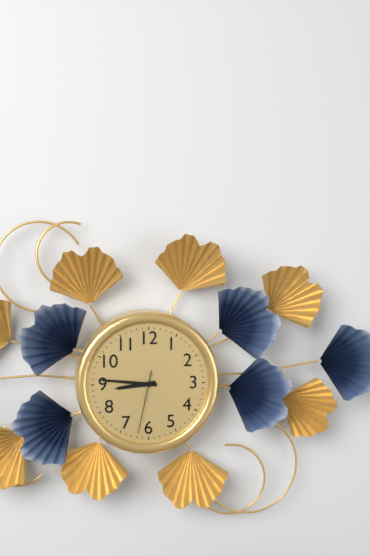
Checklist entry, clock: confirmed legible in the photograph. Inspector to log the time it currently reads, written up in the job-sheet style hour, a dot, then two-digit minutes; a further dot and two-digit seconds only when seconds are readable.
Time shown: 8.46.32
